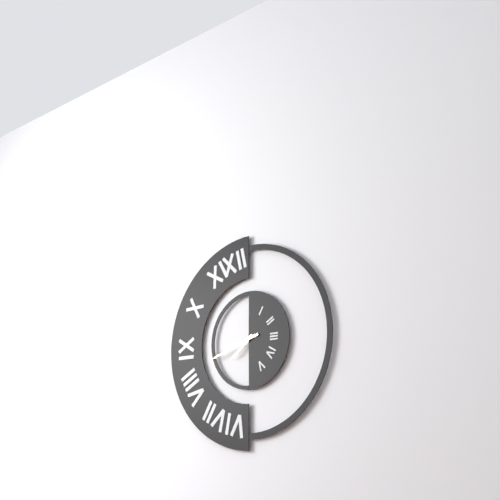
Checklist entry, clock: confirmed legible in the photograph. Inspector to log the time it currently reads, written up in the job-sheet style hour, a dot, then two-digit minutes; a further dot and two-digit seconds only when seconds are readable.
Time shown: 7.42
